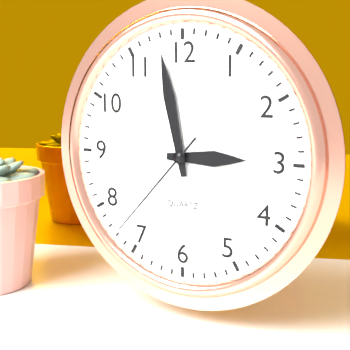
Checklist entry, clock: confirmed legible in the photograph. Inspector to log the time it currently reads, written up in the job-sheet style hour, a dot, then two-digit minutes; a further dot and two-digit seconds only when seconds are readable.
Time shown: 2.58.37
